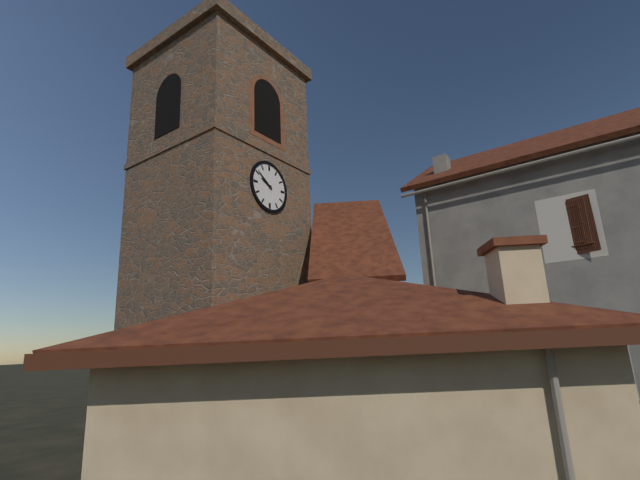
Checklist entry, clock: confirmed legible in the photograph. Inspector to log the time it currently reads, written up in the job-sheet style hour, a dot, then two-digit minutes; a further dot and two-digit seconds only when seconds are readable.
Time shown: 9.51
